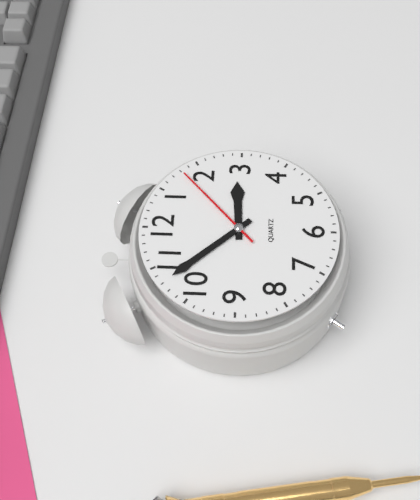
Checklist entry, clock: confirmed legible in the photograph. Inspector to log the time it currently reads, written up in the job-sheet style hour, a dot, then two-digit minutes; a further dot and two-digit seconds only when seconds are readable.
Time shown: 2.53.08
